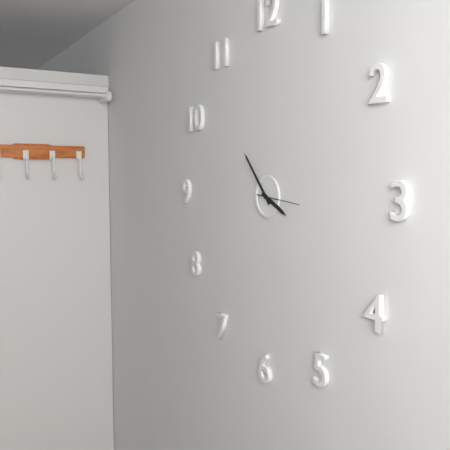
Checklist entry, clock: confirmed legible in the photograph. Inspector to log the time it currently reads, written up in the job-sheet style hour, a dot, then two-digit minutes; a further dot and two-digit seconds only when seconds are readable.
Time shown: 3.53
